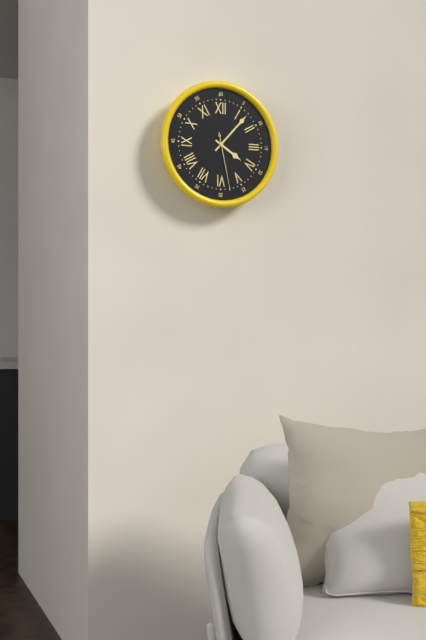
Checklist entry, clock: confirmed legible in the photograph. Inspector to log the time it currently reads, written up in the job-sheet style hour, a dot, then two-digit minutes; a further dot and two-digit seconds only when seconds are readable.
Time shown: 4.07.28
